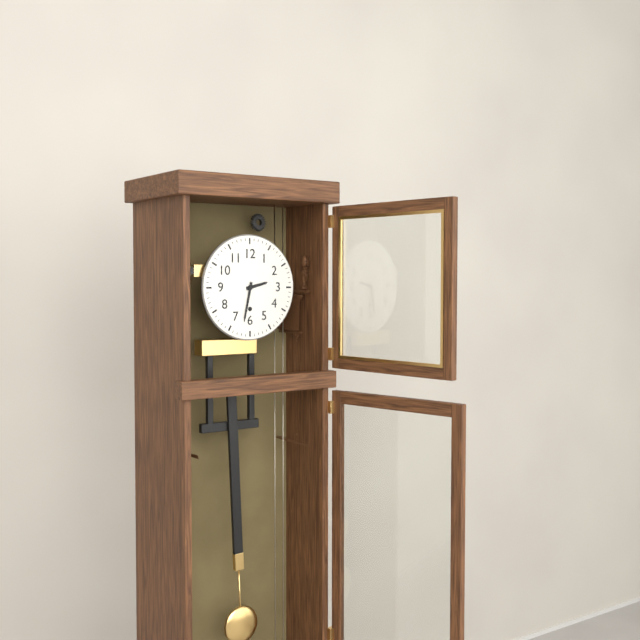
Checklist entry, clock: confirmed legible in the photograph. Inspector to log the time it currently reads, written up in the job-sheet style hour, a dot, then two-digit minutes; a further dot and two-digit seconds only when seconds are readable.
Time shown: 2.32
